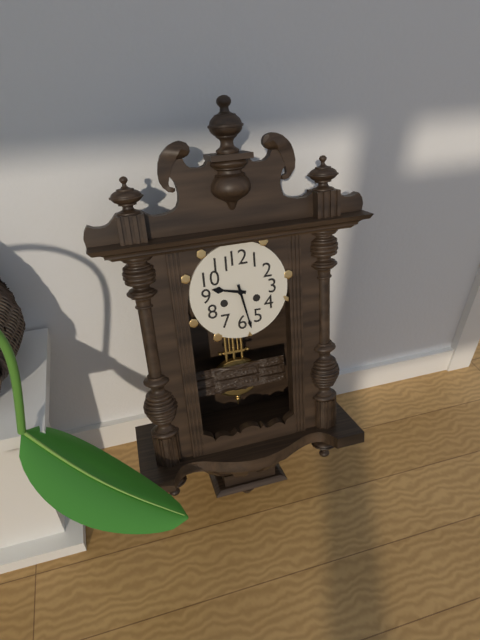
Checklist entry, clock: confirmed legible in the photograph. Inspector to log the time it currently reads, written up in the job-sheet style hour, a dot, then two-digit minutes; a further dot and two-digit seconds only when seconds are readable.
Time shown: 9.28
